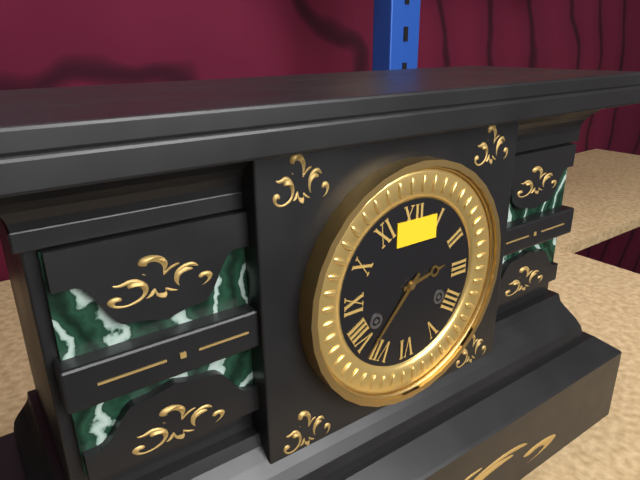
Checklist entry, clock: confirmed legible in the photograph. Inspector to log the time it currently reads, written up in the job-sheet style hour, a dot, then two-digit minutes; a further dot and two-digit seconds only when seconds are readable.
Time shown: 2.37
